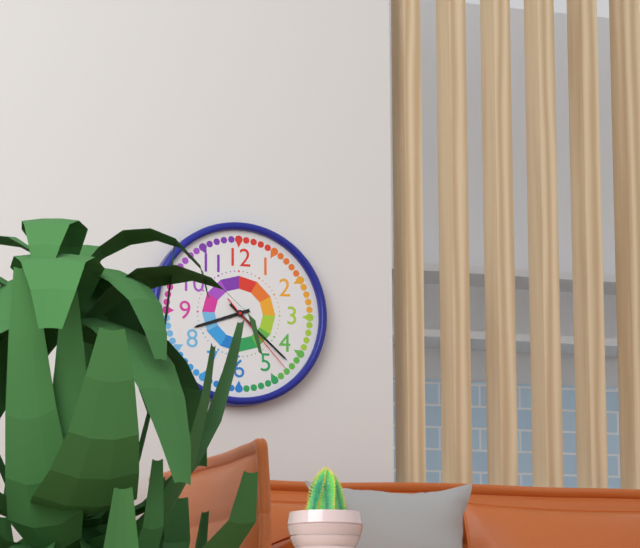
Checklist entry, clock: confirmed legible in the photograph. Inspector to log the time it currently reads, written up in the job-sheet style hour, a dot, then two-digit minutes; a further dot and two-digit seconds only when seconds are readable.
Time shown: 8.22.23
